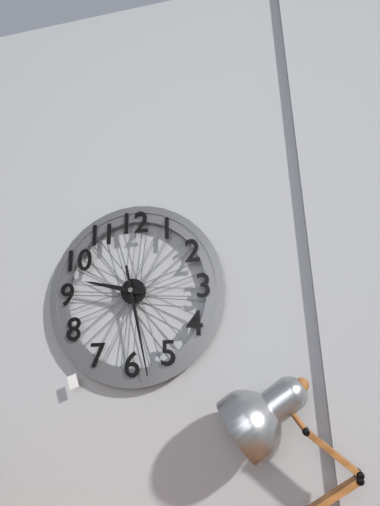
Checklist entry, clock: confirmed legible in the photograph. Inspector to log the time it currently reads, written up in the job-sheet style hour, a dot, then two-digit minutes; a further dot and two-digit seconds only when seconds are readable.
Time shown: 9.28
